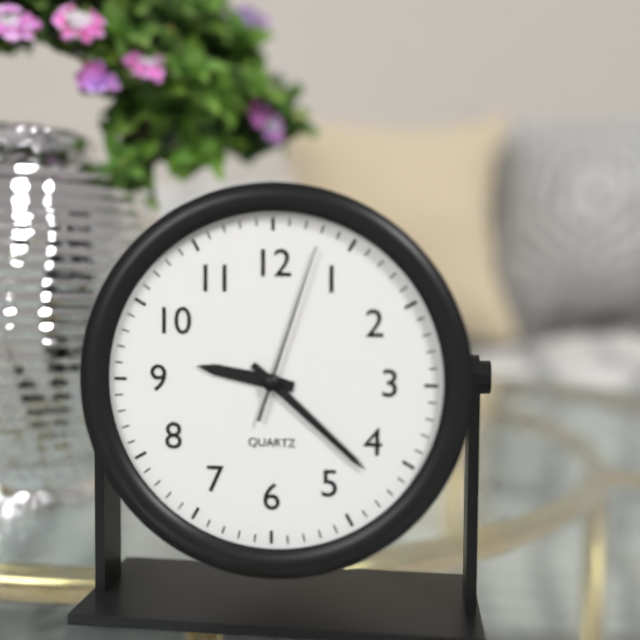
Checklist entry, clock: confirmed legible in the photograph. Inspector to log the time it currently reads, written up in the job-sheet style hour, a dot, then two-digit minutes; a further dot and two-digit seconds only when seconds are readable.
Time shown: 9.22.03
